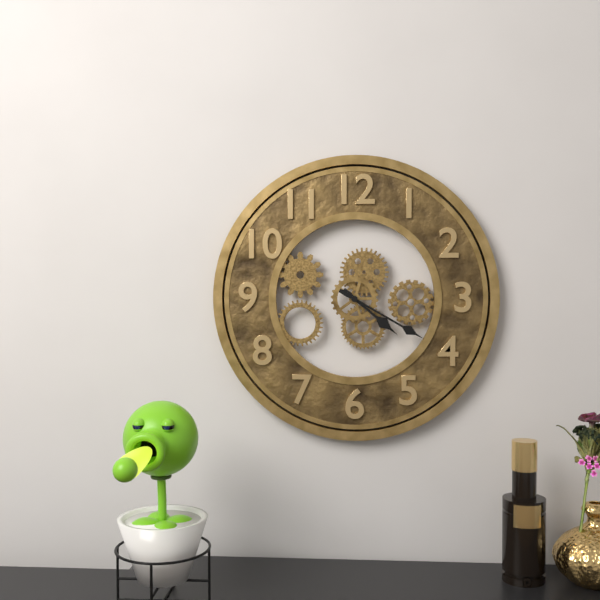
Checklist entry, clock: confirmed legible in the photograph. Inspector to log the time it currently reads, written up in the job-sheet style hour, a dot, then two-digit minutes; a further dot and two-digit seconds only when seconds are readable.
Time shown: 4.20
